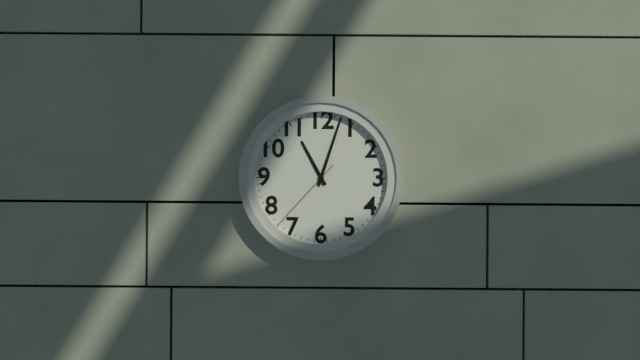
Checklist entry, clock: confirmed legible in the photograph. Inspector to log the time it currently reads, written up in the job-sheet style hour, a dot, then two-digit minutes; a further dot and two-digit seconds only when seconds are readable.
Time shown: 11.03.37
